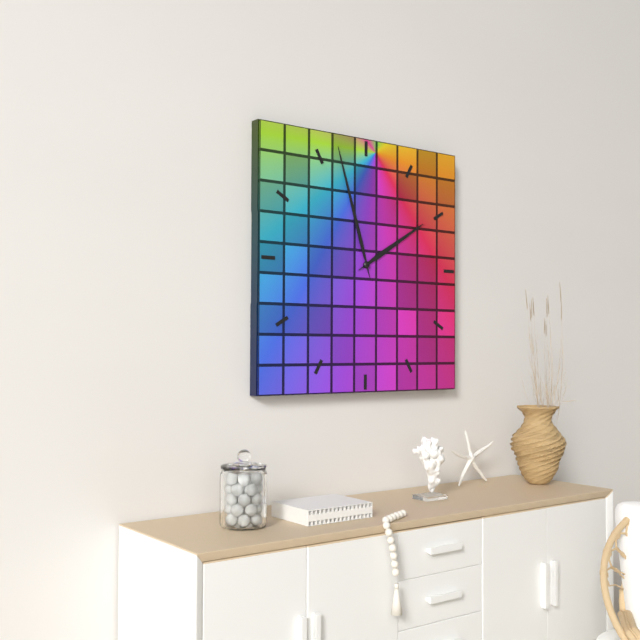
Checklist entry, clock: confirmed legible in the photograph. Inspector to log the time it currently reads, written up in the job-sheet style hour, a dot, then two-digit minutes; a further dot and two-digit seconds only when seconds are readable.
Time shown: 1.57
